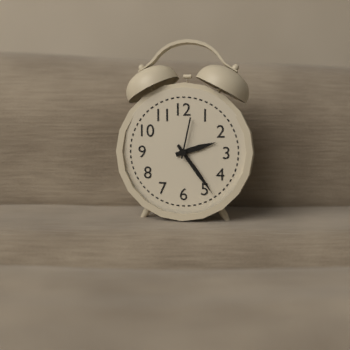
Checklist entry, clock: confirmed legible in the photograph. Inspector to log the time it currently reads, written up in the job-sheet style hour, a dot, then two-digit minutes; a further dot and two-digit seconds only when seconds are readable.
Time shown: 2.24
